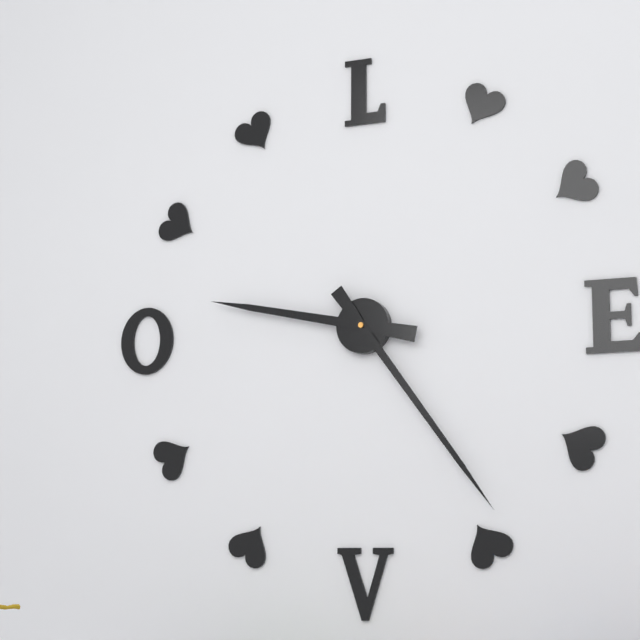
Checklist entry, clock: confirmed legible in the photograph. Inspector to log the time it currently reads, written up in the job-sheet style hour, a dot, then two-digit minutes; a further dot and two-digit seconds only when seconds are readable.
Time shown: 9.24
